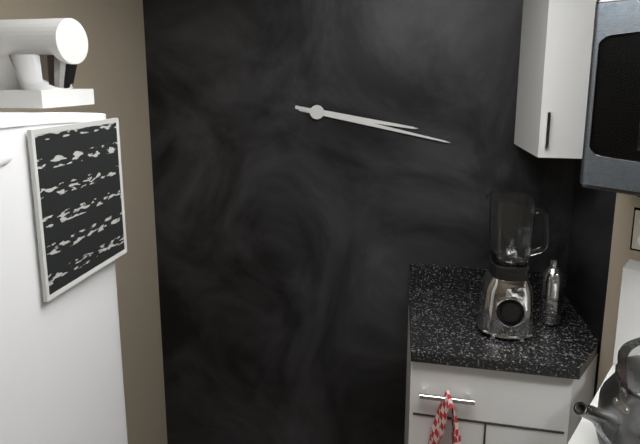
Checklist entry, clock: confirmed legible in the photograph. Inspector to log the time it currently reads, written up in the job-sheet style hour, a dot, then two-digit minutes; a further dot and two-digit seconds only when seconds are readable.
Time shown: 3.17
